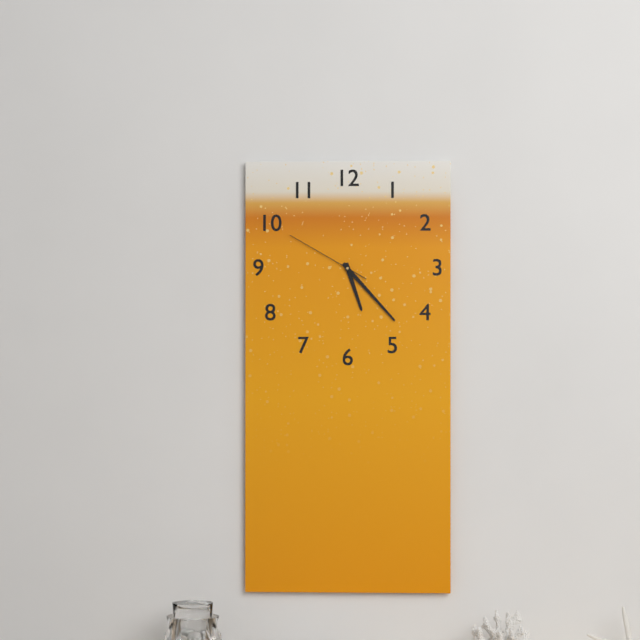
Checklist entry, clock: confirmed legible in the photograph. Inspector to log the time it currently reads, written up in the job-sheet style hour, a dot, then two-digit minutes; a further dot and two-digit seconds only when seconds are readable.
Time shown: 5.23.50
